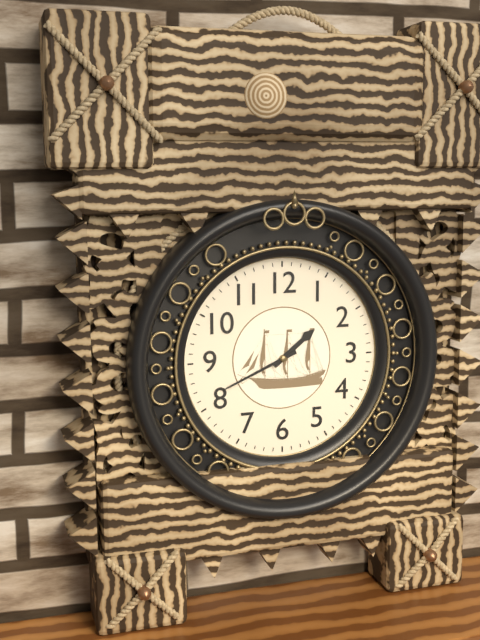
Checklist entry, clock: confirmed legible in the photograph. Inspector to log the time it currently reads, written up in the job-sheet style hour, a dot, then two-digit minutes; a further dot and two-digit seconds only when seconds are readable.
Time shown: 1.41
